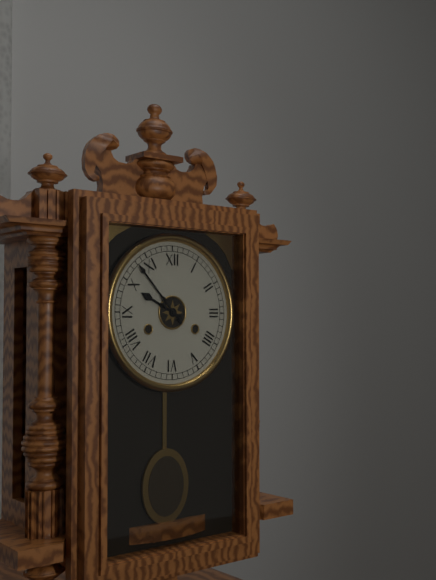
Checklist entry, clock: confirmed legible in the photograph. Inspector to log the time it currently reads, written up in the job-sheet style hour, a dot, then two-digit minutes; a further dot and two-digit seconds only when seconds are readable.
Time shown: 9.53
